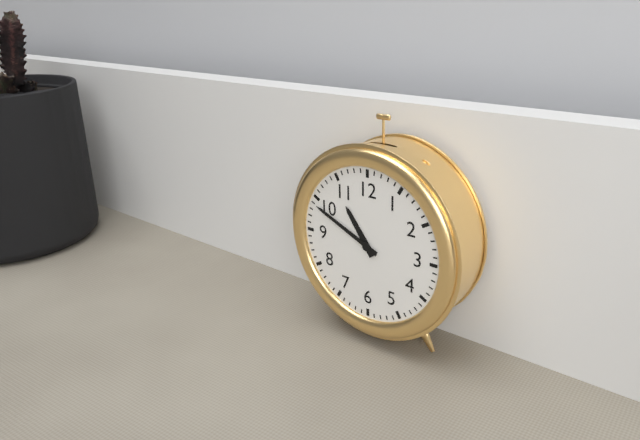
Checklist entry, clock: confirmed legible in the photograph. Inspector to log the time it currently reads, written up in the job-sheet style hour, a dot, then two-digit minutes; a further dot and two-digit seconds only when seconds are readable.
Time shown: 10.49
